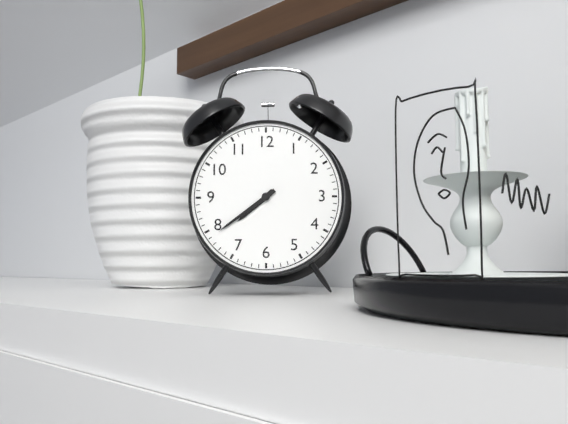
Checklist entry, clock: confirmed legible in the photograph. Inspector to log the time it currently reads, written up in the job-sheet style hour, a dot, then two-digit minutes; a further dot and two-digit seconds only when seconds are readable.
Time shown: 7.39
